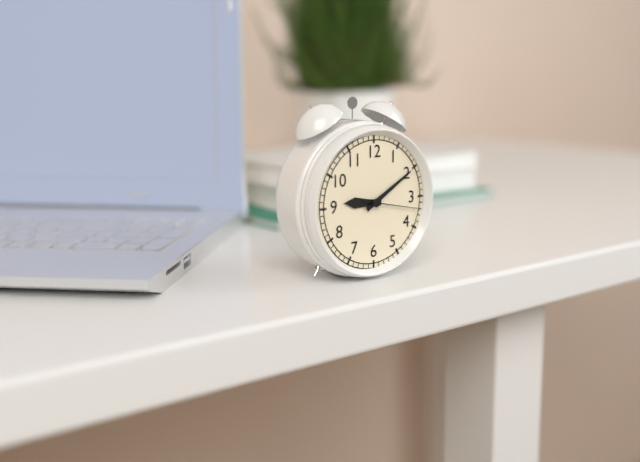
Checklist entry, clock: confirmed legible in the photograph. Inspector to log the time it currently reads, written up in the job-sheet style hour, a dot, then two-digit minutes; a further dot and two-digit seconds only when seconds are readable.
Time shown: 9.10.17
